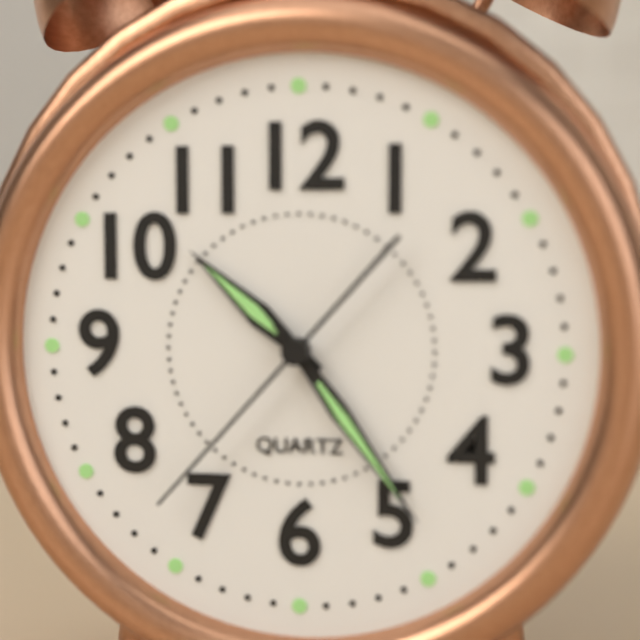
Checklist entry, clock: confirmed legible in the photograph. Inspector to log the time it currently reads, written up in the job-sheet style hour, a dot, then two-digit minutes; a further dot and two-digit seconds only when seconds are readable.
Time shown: 10.24.37
